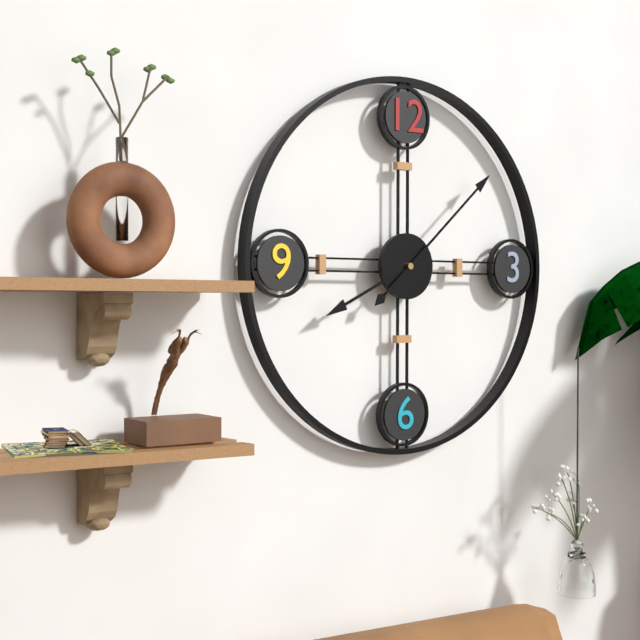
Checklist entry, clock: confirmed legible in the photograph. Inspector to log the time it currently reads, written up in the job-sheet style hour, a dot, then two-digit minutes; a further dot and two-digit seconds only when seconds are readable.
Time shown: 8.08
